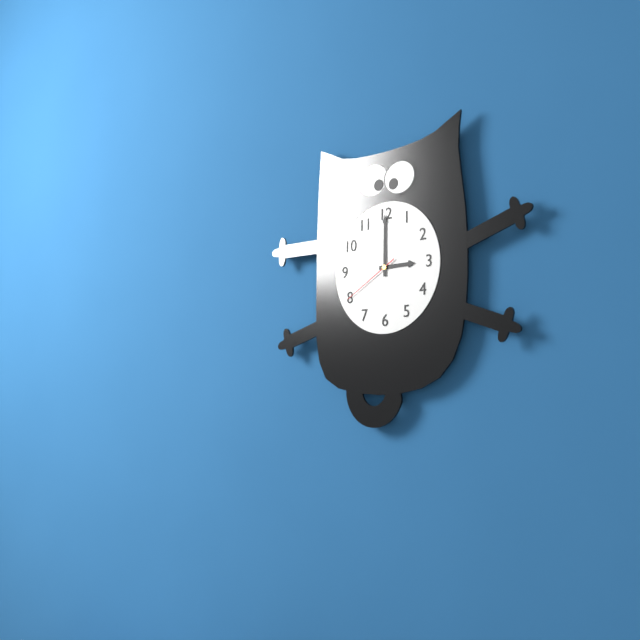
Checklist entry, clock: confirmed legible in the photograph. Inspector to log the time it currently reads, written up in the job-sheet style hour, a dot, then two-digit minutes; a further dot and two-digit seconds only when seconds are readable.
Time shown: 3.00.40
